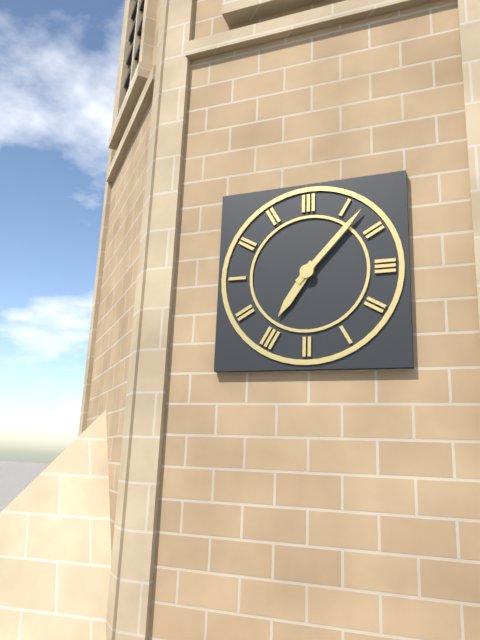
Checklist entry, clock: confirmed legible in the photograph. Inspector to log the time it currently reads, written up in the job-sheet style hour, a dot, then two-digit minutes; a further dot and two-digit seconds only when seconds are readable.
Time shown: 7.07
